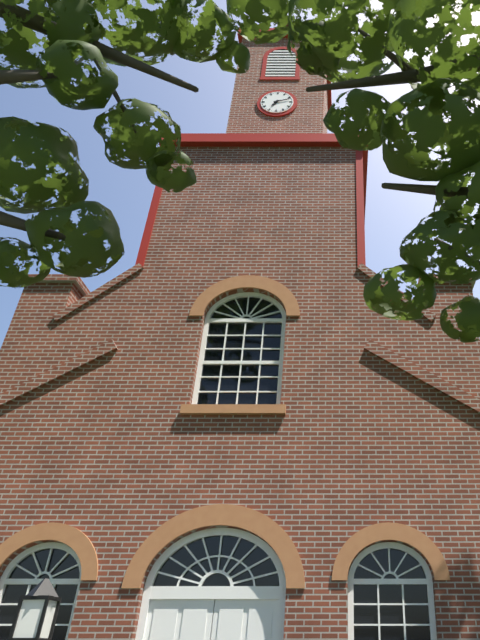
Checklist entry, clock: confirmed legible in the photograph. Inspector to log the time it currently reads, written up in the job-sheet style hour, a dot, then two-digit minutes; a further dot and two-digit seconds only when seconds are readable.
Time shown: 7.12
